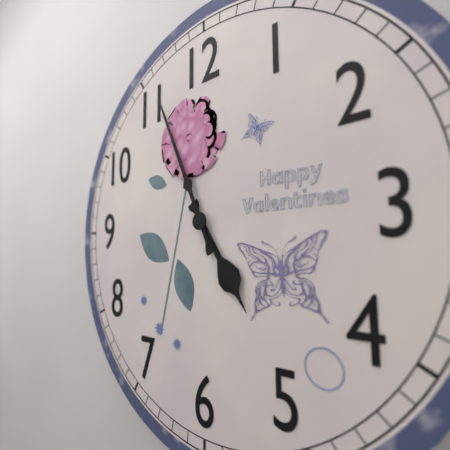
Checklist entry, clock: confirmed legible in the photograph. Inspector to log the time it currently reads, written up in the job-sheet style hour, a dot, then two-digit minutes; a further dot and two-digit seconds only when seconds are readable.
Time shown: 4.56
